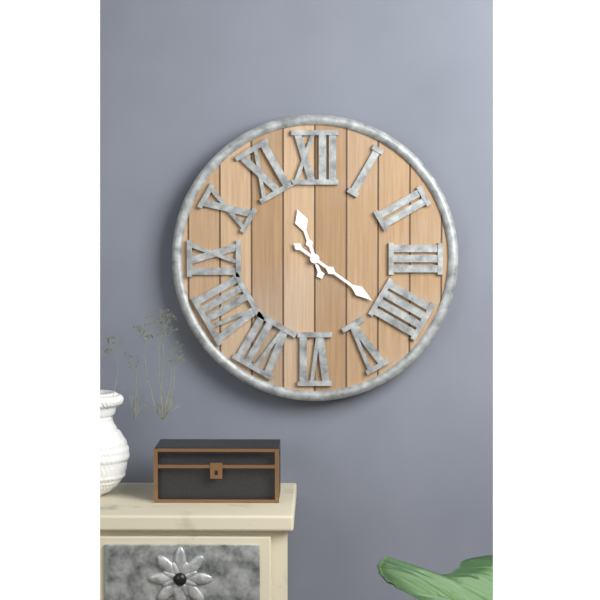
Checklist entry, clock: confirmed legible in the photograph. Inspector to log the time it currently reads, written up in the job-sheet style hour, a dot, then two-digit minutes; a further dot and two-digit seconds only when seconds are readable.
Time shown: 11.21
